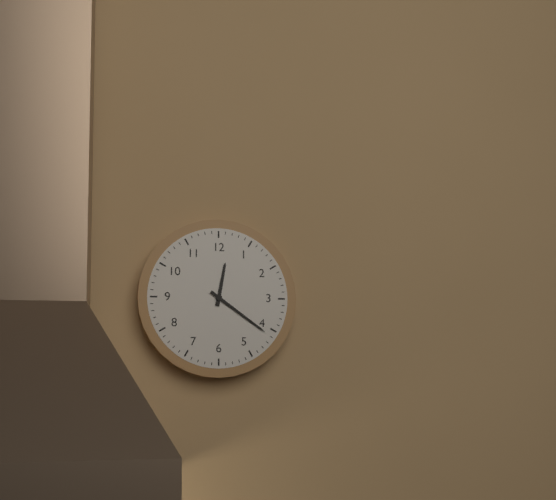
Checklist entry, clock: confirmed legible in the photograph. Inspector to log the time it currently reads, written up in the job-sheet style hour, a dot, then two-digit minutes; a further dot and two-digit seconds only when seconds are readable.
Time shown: 12.21
